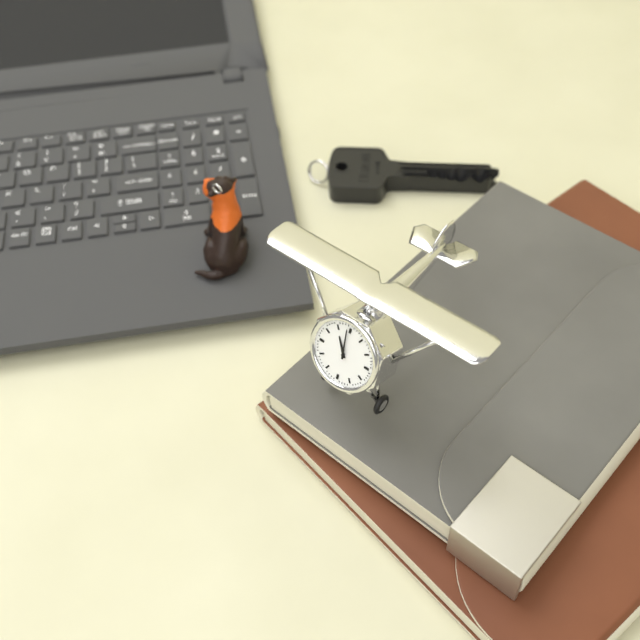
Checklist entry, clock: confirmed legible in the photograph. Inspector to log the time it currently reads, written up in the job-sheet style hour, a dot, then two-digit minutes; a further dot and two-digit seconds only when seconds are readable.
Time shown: 10.59
